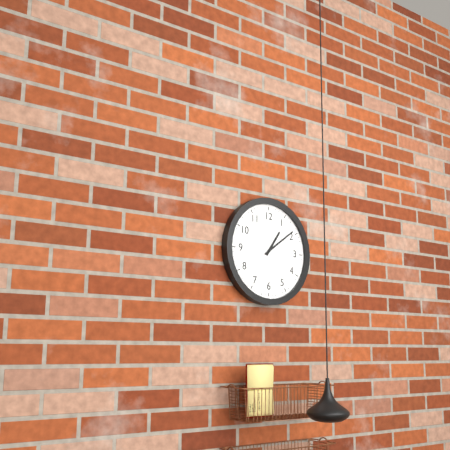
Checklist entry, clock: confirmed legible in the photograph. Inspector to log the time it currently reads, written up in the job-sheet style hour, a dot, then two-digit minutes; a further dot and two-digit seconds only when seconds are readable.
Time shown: 1.09
